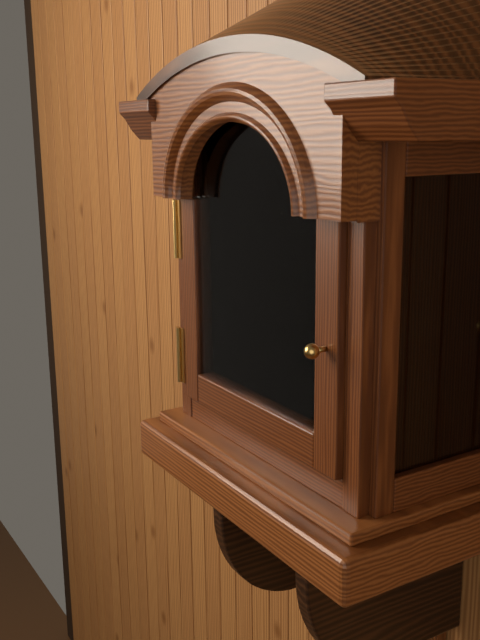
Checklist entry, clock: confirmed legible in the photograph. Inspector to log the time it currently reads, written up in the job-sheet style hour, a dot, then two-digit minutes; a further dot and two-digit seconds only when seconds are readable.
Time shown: 10.52
